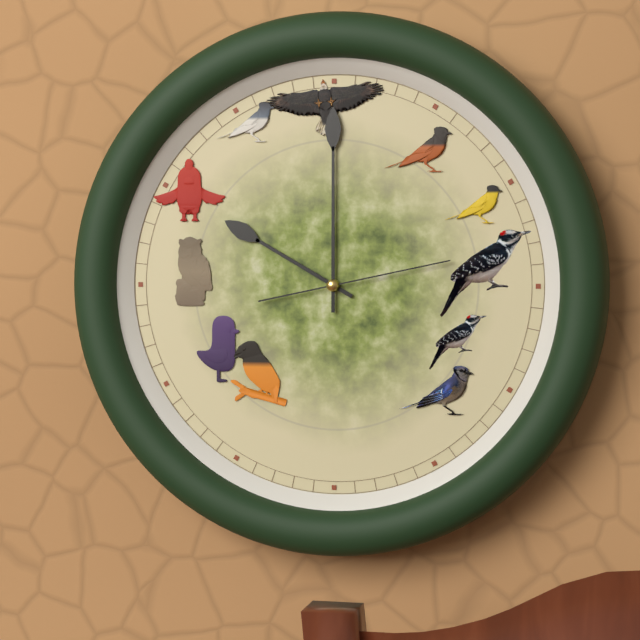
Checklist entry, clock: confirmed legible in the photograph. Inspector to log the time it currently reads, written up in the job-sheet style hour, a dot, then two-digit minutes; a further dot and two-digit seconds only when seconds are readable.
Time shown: 10.00.13
